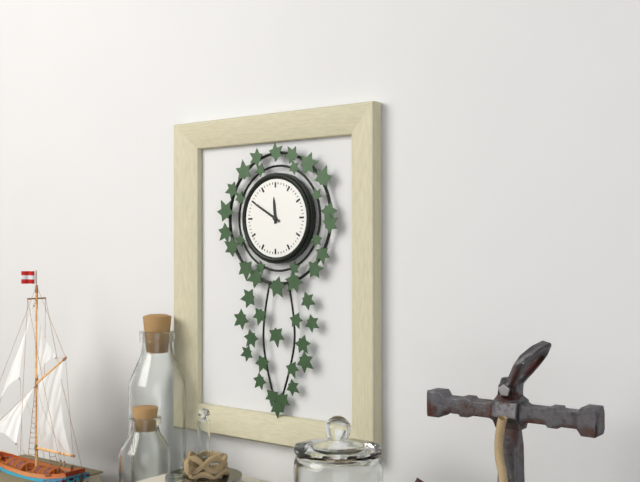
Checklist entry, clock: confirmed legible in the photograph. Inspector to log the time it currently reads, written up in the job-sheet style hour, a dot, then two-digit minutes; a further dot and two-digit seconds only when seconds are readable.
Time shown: 11.50
